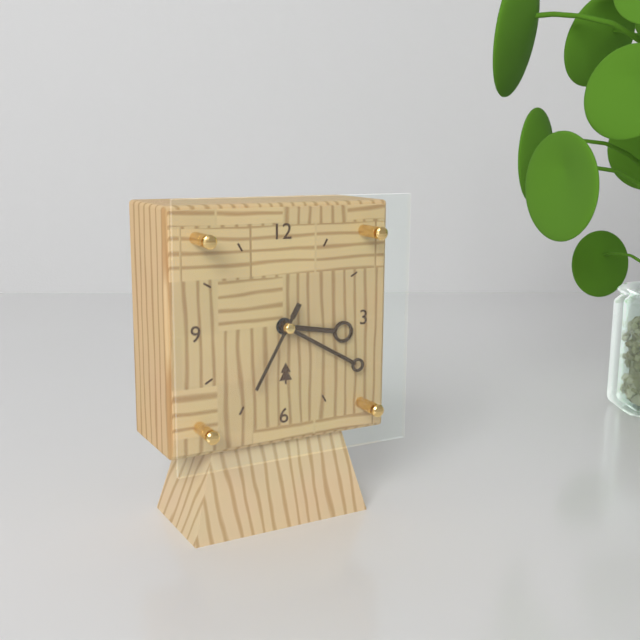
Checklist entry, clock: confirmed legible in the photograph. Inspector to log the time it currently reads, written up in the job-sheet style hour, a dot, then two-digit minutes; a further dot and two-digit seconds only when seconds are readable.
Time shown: 3.20.35
